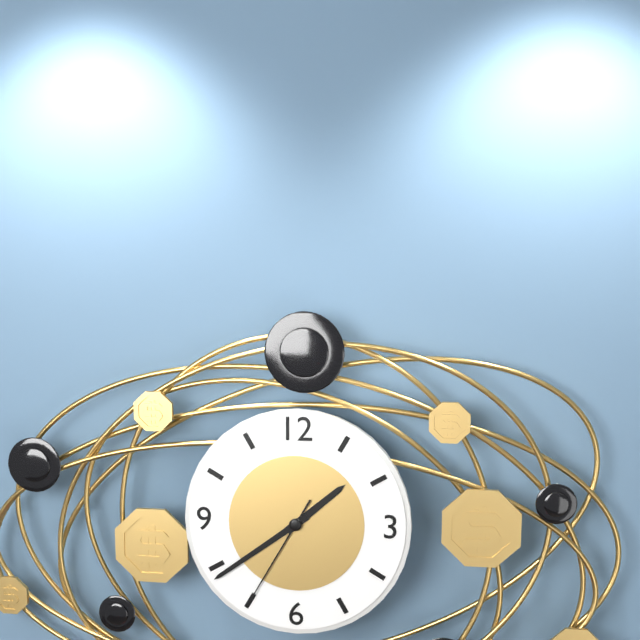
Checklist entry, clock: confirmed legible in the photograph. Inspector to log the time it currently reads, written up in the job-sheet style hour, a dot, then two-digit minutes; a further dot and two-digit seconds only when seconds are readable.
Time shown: 1.39.35
